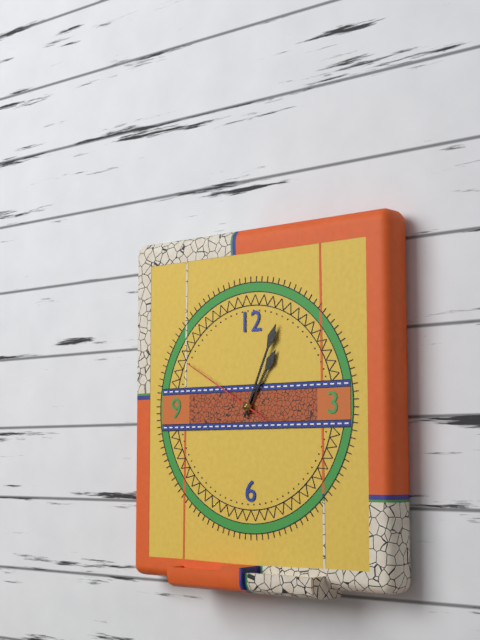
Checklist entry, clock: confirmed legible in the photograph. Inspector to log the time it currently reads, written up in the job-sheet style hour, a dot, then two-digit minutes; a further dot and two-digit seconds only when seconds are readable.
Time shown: 1.04.50
